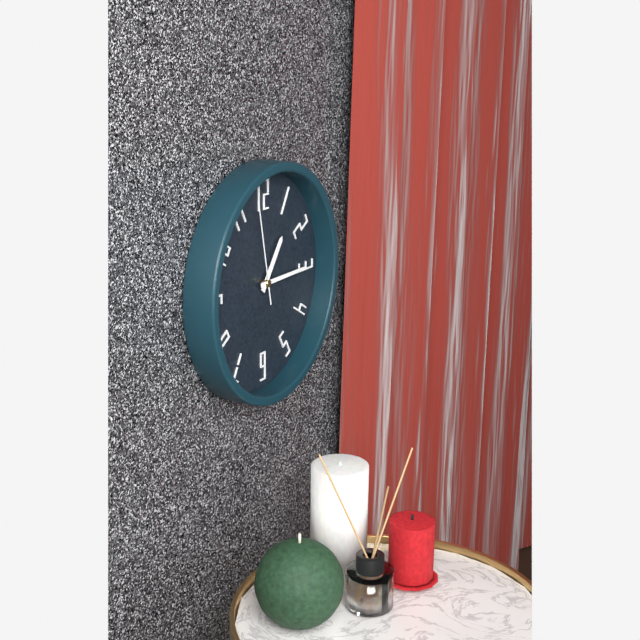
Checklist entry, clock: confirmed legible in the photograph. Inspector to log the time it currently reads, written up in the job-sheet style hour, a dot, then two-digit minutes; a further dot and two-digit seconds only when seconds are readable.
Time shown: 1.15.58
